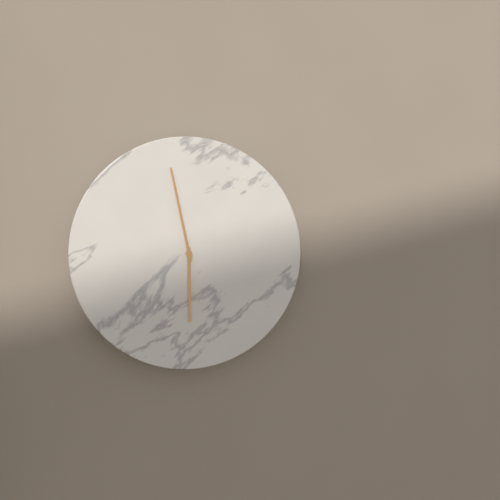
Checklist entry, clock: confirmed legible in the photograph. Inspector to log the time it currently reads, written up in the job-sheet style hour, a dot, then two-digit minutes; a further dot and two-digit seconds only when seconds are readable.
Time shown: 5.58
